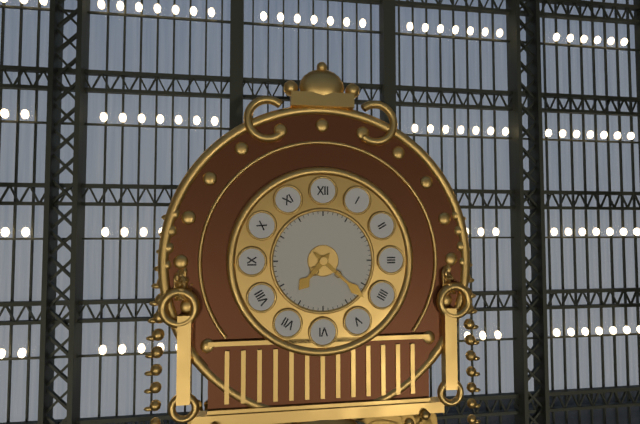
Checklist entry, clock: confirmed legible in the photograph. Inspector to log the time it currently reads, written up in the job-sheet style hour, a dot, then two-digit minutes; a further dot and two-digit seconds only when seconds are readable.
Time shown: 7.22
